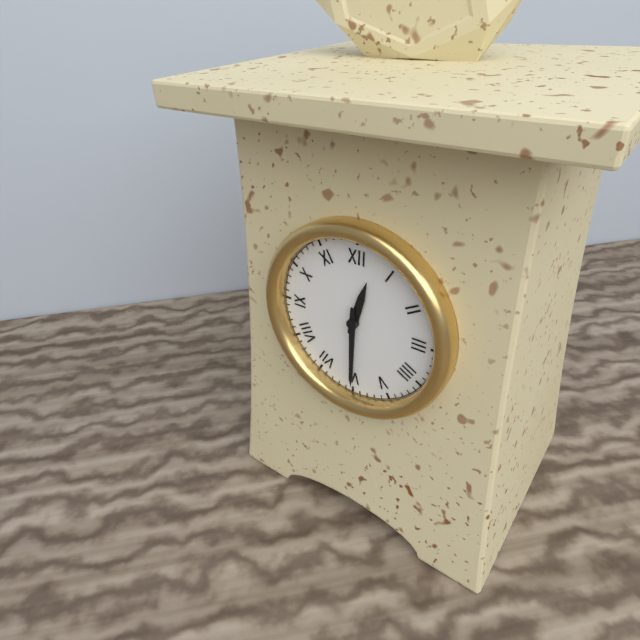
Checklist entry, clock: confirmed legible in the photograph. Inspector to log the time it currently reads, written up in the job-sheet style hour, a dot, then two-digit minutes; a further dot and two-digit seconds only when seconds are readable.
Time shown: 12.30
